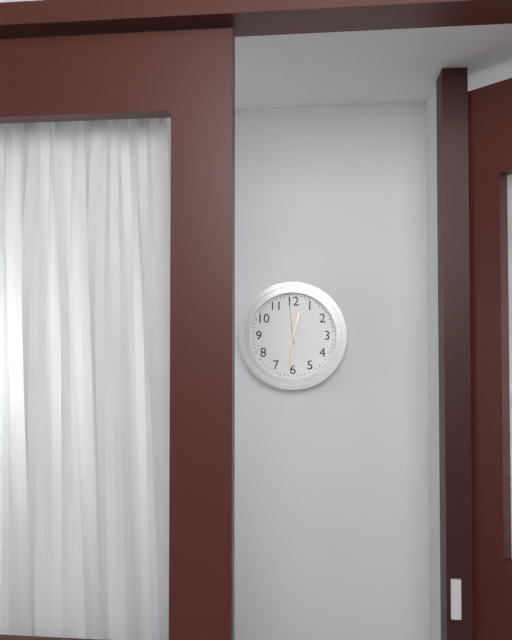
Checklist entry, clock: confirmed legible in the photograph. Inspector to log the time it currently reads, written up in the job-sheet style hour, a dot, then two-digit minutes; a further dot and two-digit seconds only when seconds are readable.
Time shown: 12.31
